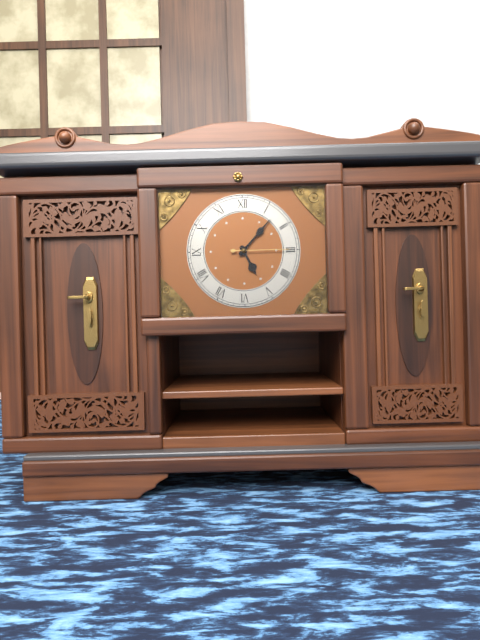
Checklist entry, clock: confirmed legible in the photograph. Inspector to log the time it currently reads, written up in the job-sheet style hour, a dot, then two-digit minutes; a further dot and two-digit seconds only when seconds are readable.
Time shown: 5.07.15
